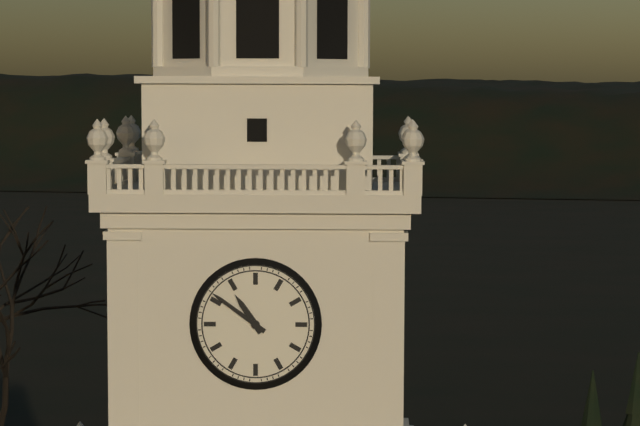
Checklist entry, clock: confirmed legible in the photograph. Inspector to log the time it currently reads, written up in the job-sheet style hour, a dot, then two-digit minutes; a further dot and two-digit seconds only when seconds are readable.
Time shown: 10.51
